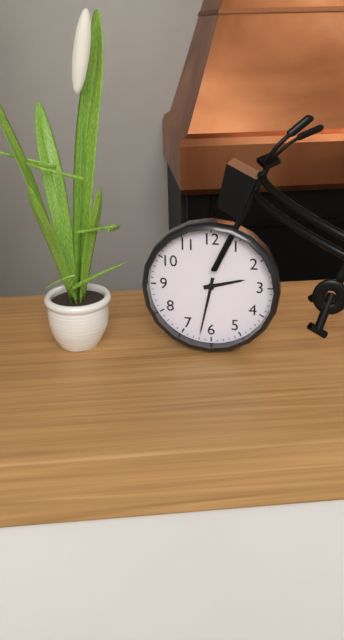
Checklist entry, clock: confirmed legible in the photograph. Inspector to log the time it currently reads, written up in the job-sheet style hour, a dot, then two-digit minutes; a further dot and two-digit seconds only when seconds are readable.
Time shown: 2.32
